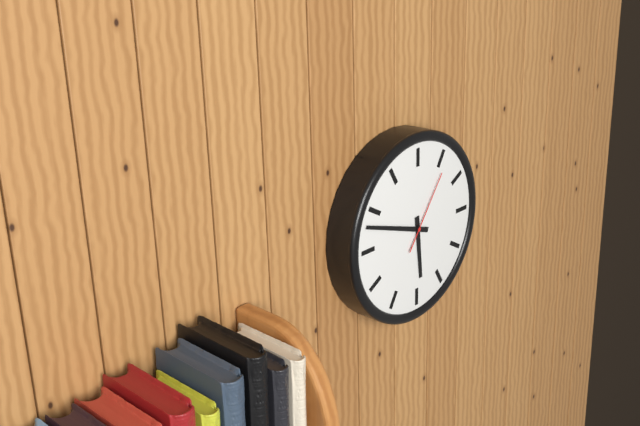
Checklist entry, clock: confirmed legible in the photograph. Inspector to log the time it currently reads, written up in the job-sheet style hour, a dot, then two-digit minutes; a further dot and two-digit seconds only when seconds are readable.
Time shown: 5.48.06
